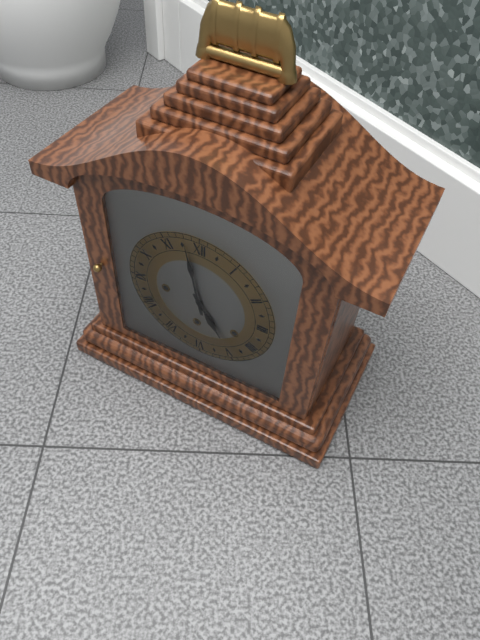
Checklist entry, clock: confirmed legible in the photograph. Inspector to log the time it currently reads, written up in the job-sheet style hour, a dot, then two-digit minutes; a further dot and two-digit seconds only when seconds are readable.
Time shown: 4.58
